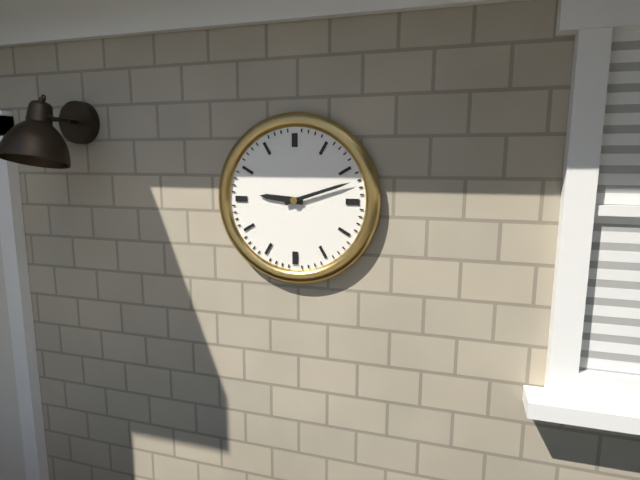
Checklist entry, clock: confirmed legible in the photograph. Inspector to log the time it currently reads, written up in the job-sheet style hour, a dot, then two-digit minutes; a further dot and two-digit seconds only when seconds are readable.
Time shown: 9.12
